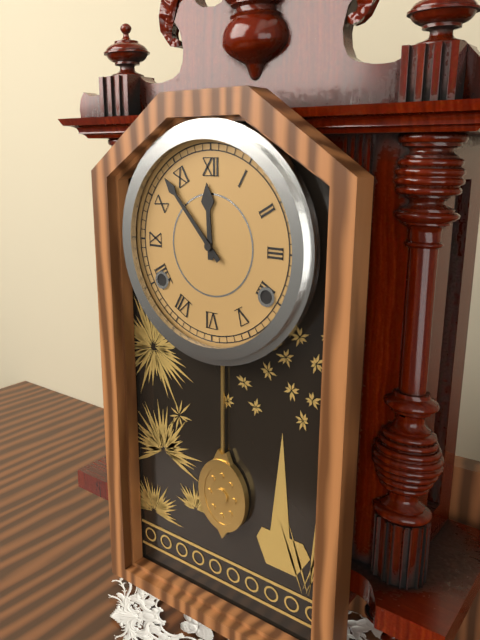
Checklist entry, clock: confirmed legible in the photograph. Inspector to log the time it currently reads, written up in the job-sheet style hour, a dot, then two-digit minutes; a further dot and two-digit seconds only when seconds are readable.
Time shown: 11.53
